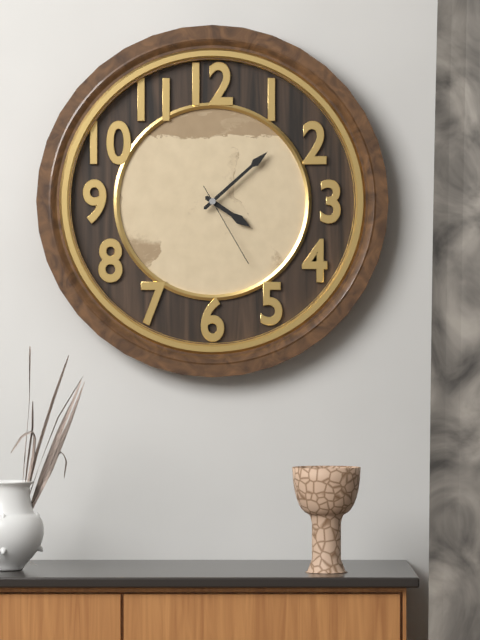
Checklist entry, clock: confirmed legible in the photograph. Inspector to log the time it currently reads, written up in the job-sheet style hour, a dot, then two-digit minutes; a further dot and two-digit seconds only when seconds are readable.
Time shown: 4.08.25
